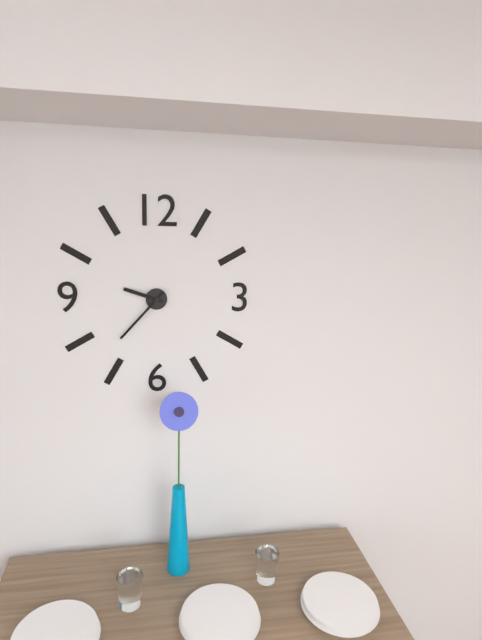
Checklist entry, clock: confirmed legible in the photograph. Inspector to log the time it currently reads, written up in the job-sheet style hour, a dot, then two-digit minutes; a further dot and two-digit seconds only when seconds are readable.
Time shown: 9.37
